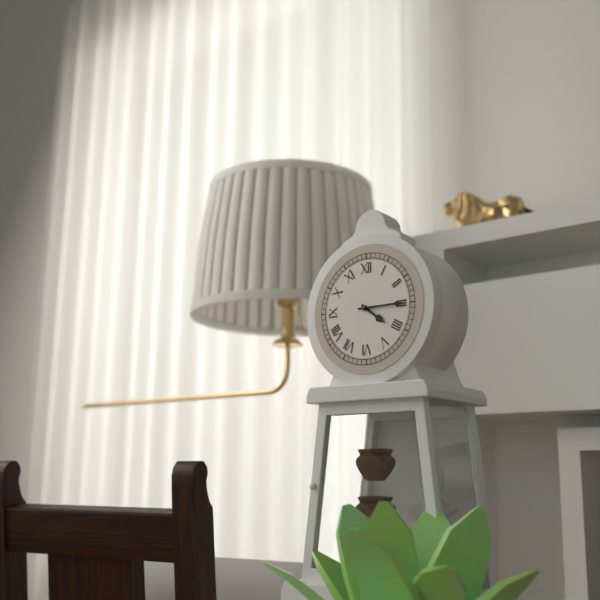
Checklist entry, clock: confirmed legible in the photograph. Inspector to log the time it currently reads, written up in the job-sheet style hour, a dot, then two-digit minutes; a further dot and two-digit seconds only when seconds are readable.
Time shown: 4.15
